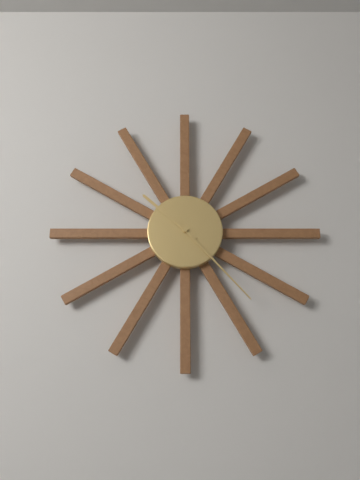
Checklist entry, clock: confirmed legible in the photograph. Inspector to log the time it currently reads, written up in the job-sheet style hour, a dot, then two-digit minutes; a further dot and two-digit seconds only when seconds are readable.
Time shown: 10.23
